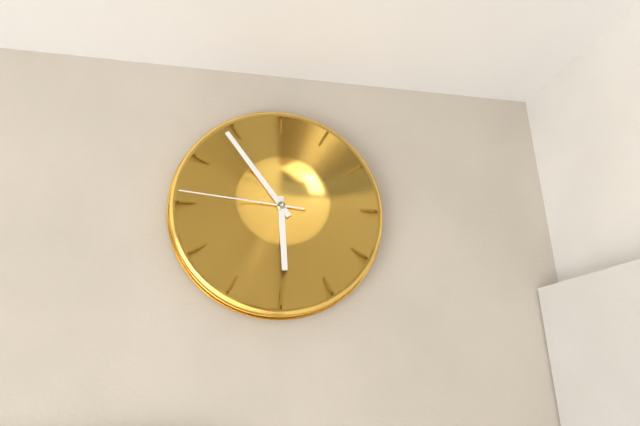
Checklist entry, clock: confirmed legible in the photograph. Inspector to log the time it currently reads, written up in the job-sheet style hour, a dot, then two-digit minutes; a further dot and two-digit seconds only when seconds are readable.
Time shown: 5.54.46
